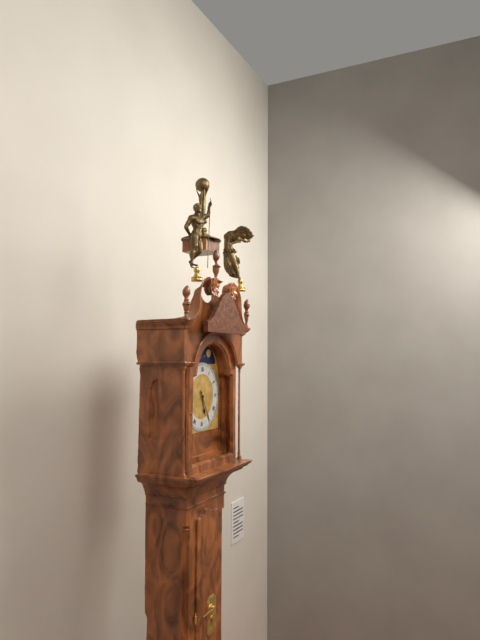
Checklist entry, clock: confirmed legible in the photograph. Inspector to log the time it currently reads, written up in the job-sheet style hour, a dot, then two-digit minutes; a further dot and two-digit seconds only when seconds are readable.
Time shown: 5.25
